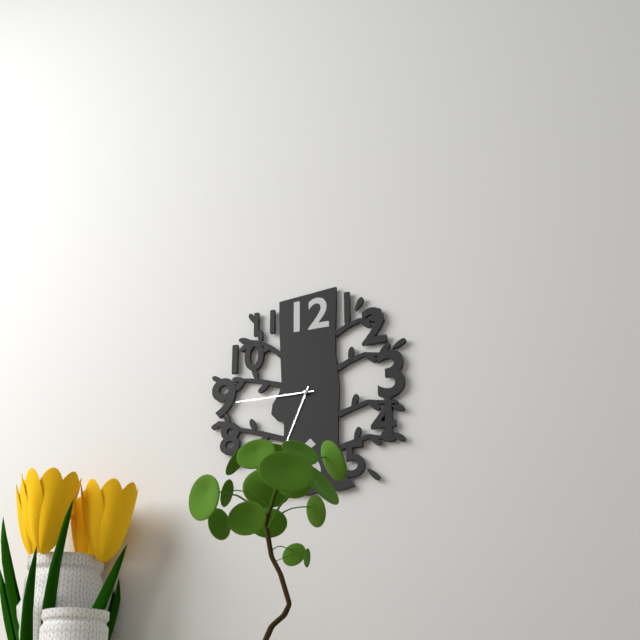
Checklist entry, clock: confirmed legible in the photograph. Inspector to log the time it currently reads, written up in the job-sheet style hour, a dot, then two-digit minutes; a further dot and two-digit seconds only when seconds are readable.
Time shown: 6.45
